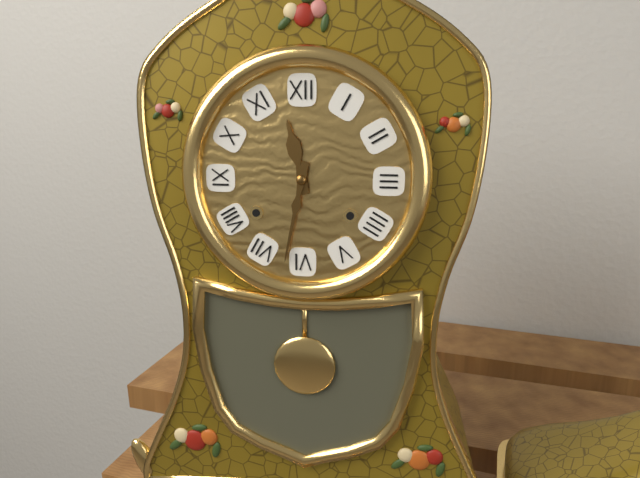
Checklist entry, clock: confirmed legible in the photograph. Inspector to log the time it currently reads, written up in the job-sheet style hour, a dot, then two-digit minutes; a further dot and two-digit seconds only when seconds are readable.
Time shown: 11.32
